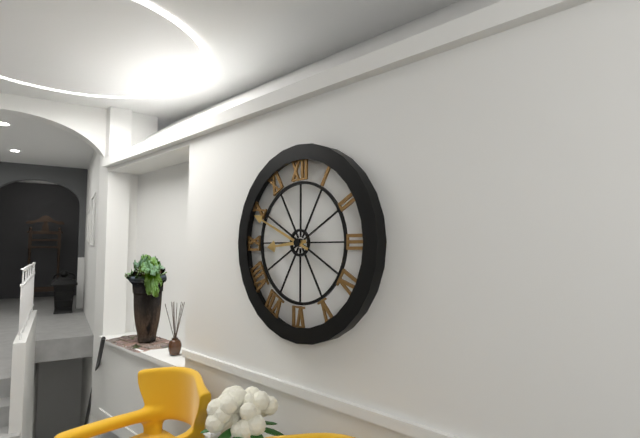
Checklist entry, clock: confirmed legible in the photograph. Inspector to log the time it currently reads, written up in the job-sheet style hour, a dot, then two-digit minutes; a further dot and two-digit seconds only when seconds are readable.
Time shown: 8.49
